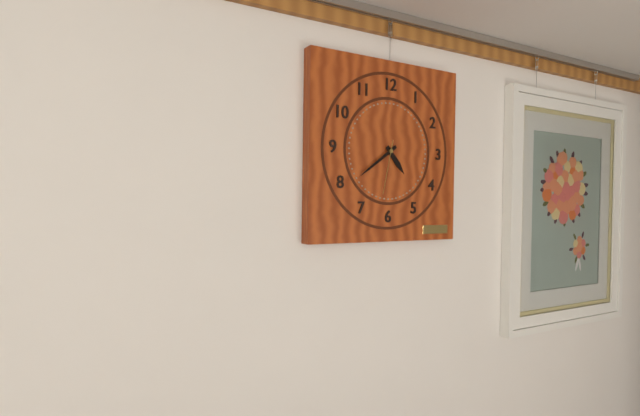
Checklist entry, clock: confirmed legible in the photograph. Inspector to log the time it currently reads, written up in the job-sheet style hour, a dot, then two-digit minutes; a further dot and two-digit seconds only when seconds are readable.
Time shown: 4.39.32
